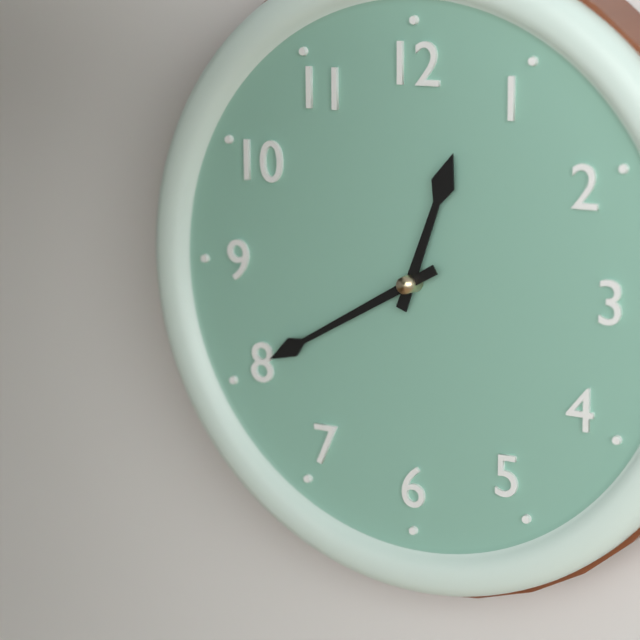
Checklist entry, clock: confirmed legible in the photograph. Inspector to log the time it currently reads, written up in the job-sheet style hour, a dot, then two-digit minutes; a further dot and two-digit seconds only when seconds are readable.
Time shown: 12.40
